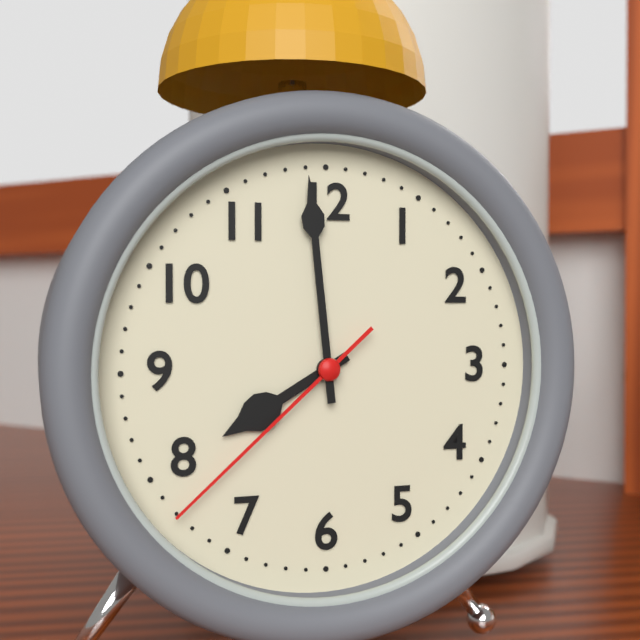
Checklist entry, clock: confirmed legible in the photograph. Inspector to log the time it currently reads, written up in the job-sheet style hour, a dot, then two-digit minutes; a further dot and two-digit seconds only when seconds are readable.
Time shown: 7.59.38
